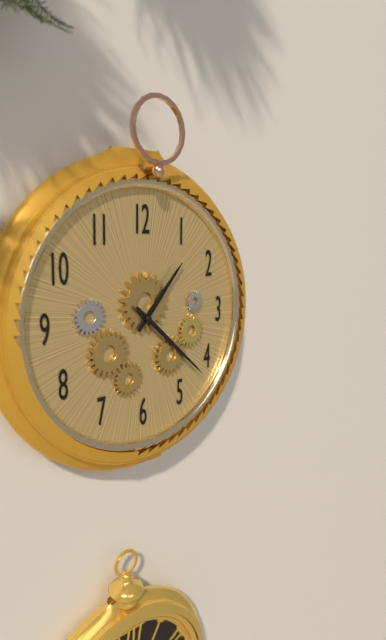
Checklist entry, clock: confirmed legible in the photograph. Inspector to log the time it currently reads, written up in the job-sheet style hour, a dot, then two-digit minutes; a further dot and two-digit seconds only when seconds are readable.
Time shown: 1.22
